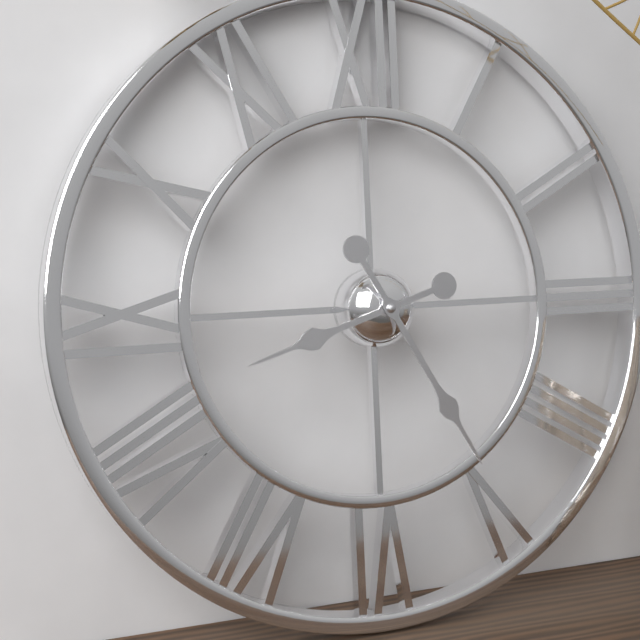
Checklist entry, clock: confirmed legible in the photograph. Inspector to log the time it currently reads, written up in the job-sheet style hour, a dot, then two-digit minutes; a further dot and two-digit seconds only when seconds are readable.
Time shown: 8.25
